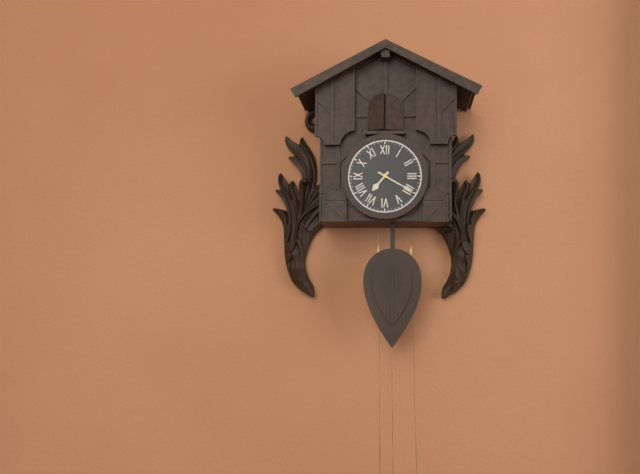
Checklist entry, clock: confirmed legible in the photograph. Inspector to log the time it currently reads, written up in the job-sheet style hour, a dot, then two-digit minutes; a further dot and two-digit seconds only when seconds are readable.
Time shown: 7.20
